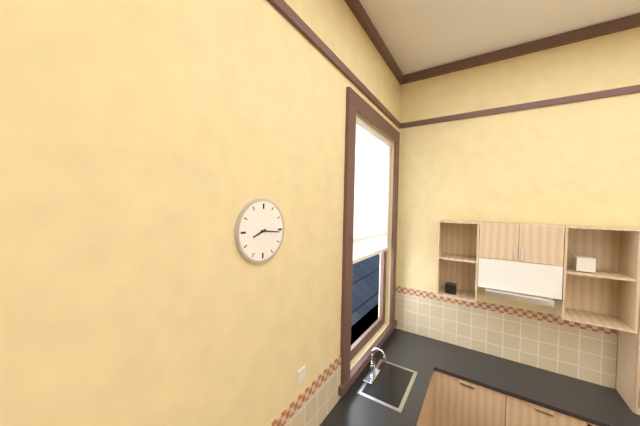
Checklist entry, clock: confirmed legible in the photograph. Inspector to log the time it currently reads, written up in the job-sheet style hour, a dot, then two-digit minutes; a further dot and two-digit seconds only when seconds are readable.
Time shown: 8.16
